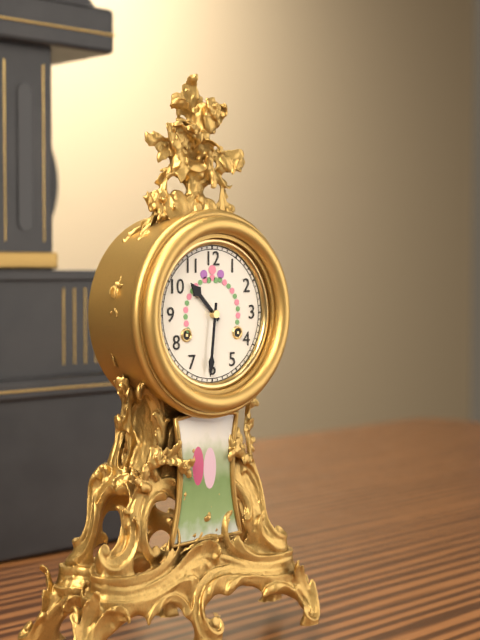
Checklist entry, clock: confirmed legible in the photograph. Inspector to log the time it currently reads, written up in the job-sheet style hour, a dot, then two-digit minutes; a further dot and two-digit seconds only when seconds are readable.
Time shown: 10.31
